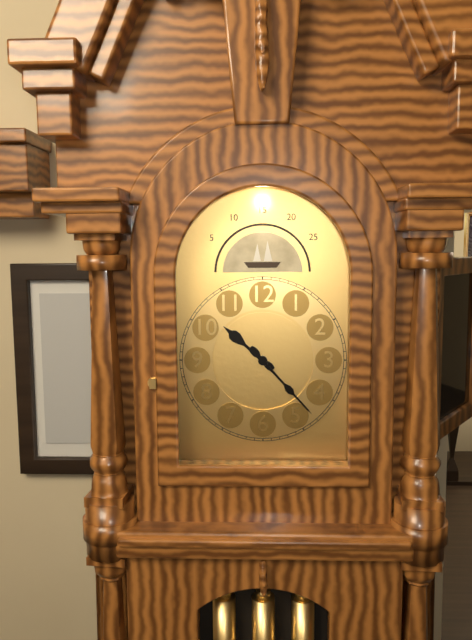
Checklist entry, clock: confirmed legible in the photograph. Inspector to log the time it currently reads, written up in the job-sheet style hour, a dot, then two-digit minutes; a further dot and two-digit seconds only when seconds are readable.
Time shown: 10.23
